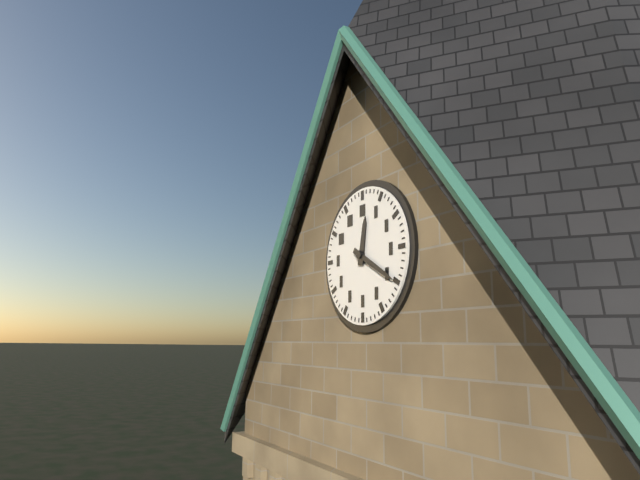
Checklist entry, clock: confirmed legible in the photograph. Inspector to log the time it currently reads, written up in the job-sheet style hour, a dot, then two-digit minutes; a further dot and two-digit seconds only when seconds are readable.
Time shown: 12.20
